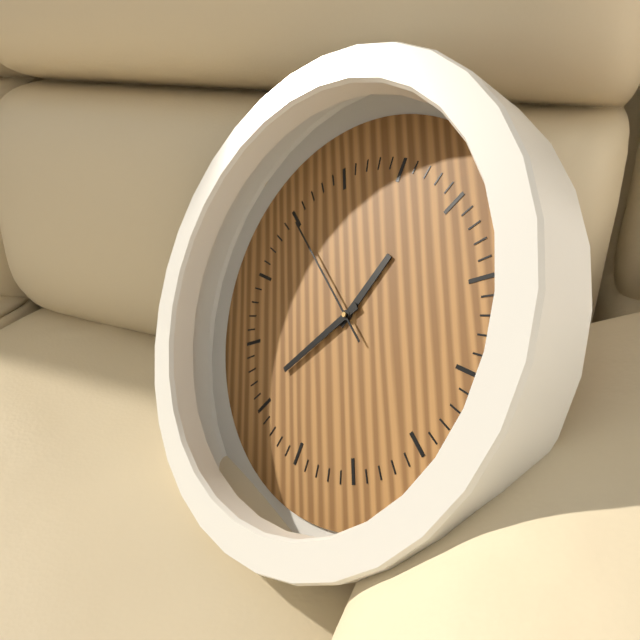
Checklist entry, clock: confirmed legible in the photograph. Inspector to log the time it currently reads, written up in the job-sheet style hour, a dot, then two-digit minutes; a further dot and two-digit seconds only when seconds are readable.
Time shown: 1.41.55
